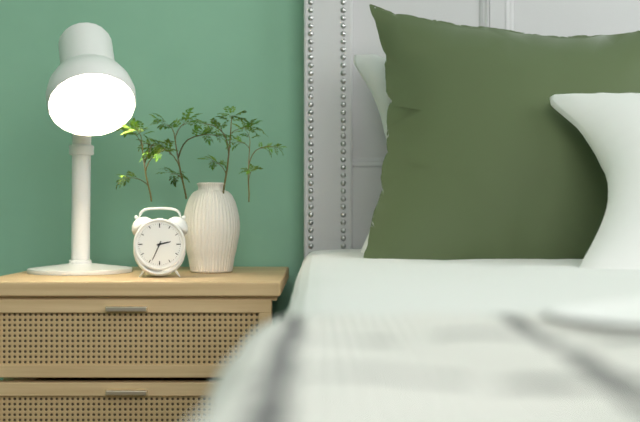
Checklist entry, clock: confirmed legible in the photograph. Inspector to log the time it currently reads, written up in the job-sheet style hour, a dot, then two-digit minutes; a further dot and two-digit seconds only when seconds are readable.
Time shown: 2.34
